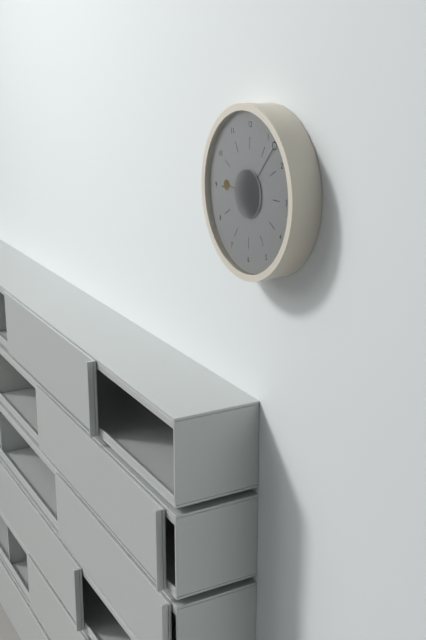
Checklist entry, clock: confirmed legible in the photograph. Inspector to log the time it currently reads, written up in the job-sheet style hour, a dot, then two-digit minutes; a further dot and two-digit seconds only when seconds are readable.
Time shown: 9.07
